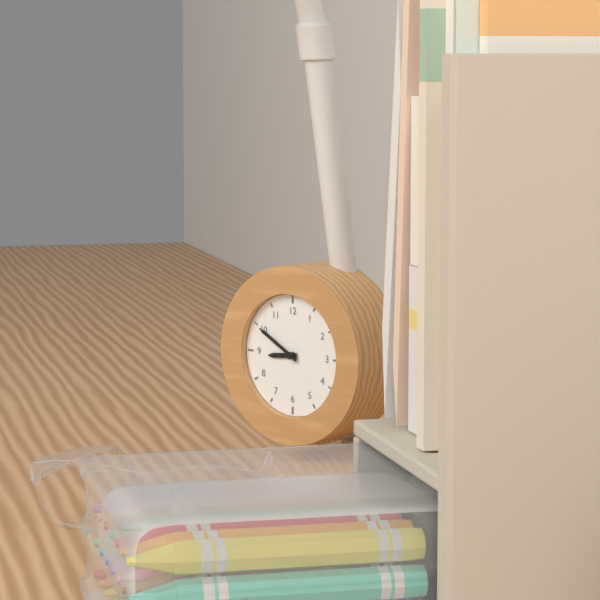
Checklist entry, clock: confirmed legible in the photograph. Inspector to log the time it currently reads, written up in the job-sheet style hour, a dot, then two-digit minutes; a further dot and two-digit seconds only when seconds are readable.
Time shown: 8.50
